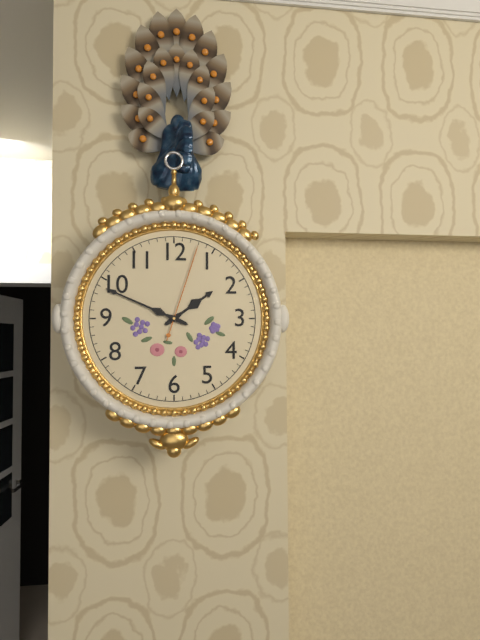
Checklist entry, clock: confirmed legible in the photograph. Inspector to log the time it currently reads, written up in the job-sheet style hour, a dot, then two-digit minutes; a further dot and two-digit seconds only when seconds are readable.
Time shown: 1.49.03
